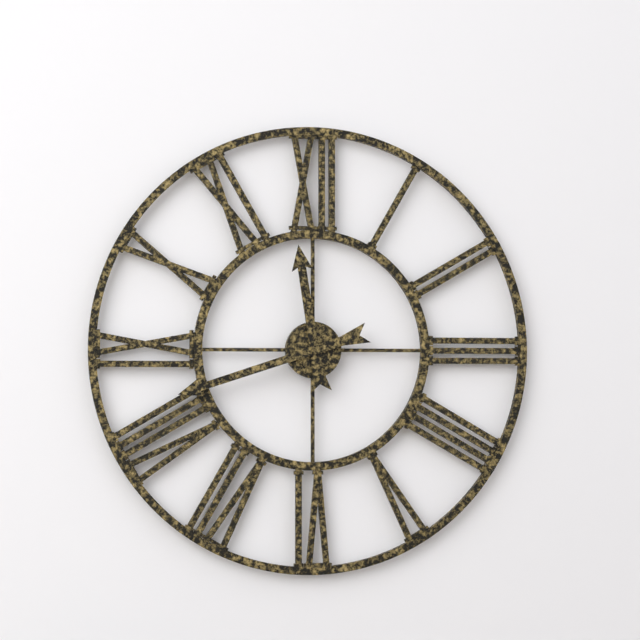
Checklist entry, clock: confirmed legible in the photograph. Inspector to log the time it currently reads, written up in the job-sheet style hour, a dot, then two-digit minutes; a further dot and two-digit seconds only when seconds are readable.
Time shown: 11.42
